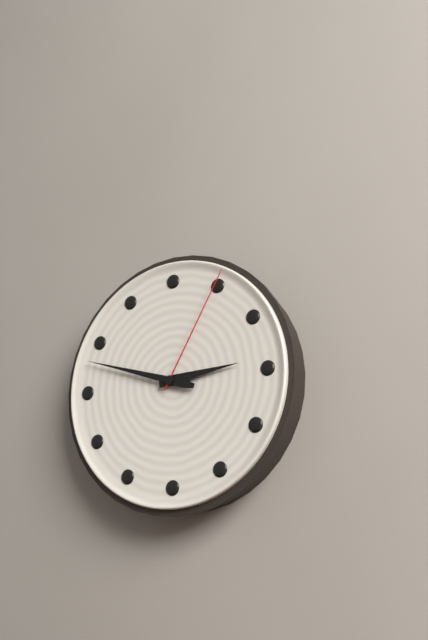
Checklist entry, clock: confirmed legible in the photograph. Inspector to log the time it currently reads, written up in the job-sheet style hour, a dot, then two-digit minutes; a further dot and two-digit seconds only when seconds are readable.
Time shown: 2.48.05
